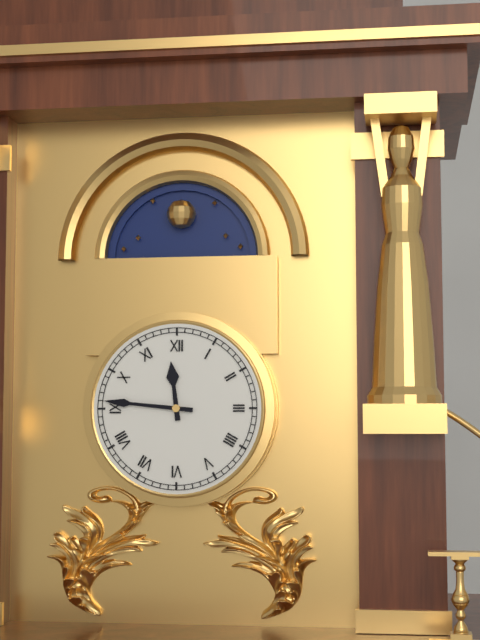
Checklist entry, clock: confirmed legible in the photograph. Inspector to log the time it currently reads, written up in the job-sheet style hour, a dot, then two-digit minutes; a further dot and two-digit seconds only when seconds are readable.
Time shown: 11.46
